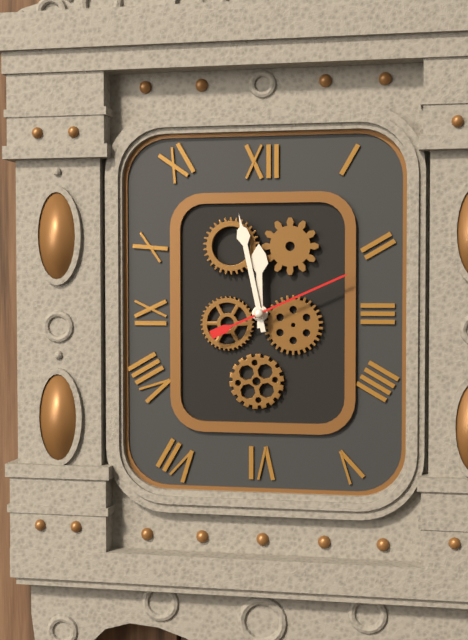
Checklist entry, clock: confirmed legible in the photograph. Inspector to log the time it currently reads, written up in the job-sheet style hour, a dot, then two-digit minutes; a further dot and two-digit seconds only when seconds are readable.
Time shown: 11.58.11
